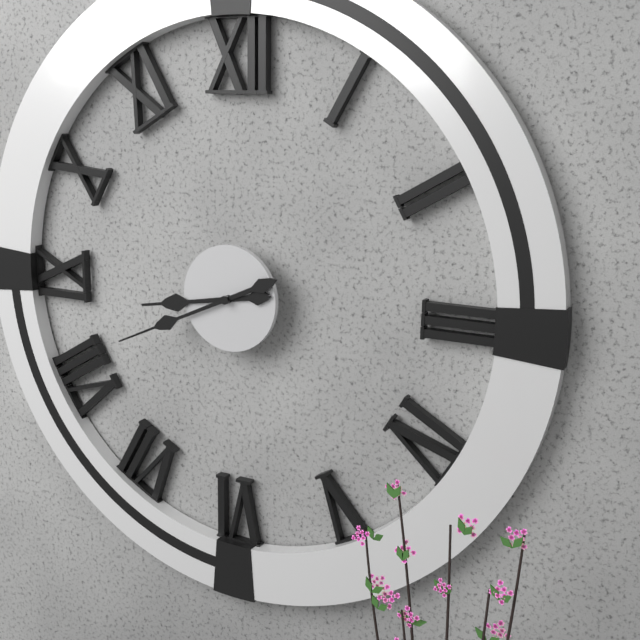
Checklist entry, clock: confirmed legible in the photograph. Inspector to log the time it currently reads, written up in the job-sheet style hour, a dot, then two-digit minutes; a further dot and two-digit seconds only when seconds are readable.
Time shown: 8.41
